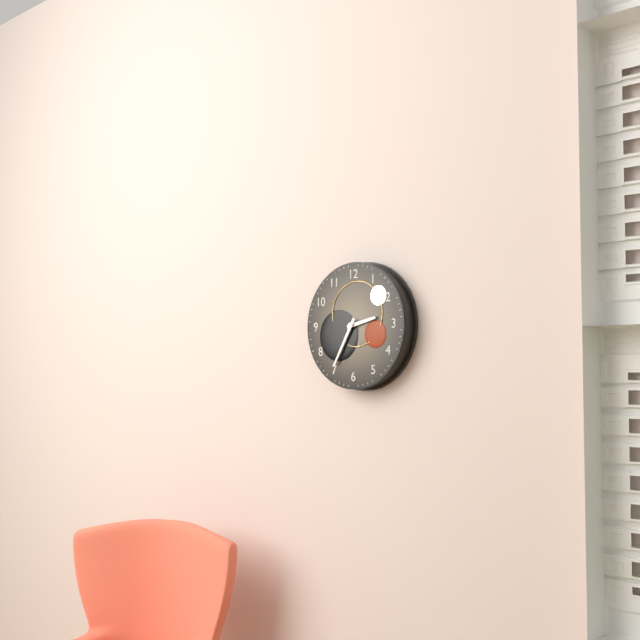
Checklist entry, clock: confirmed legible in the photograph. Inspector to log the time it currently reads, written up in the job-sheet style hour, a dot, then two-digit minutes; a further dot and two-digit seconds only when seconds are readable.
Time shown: 2.35
